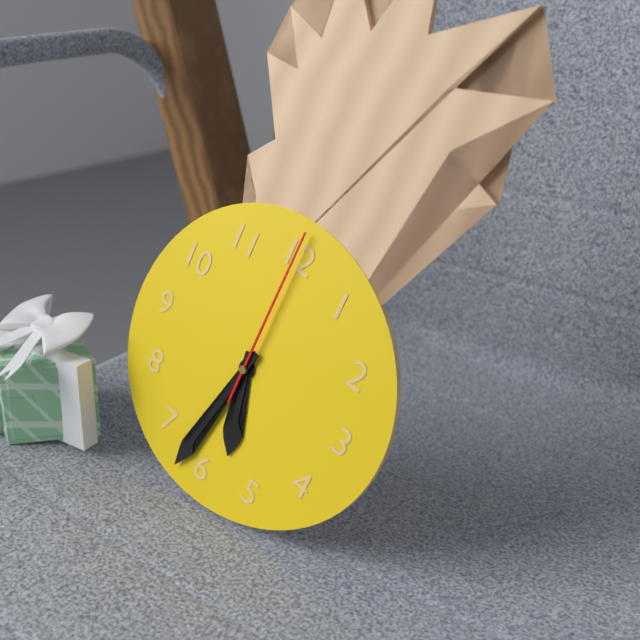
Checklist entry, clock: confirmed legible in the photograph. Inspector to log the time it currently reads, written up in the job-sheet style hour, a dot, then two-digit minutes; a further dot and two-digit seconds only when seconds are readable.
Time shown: 5.32.00
